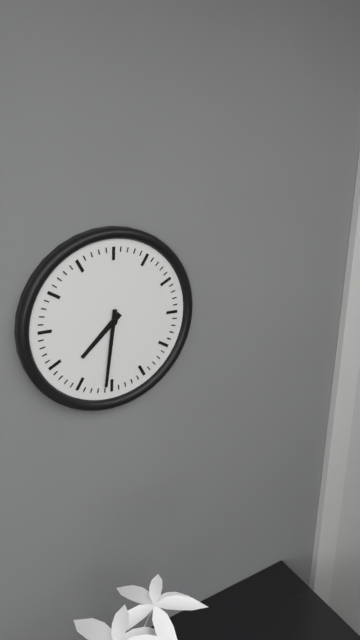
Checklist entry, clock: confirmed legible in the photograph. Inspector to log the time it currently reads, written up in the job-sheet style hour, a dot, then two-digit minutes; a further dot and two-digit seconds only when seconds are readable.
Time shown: 7.31
